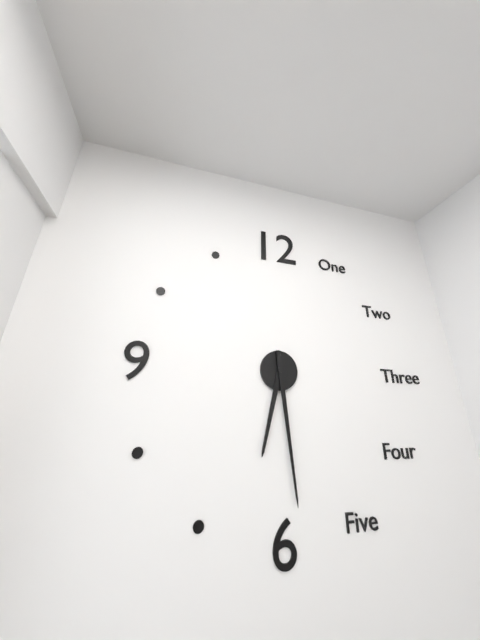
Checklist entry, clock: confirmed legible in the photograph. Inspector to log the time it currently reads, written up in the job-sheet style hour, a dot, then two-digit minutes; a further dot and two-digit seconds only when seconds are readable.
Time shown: 6.29
